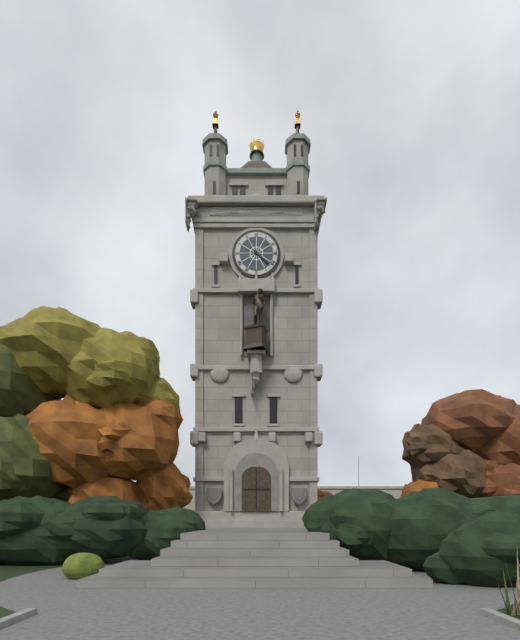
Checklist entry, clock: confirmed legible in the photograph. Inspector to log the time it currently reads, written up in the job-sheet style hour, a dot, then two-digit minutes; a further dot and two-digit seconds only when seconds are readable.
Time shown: 4.22
